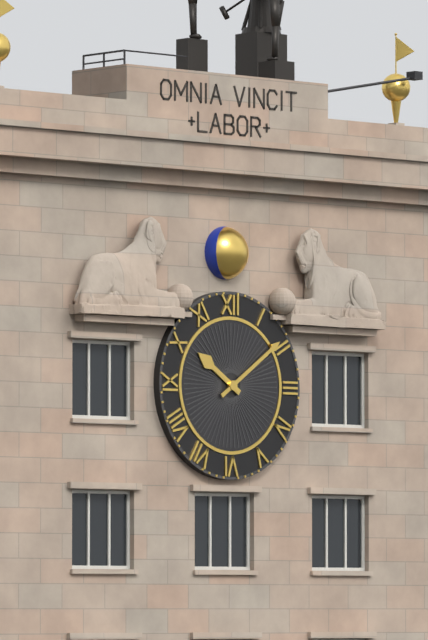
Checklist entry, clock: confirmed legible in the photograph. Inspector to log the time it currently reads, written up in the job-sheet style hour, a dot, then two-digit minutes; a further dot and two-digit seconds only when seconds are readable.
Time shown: 10.09
